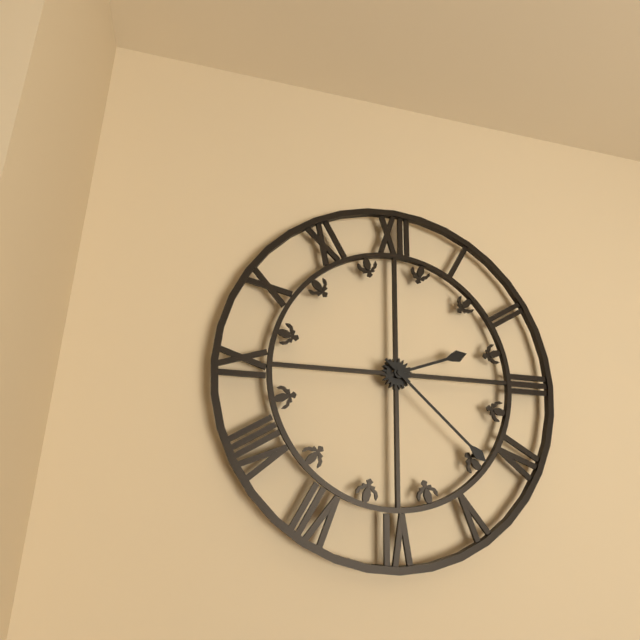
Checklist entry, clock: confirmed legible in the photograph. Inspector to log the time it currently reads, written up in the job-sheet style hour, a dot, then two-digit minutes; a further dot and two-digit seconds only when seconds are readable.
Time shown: 2.22
